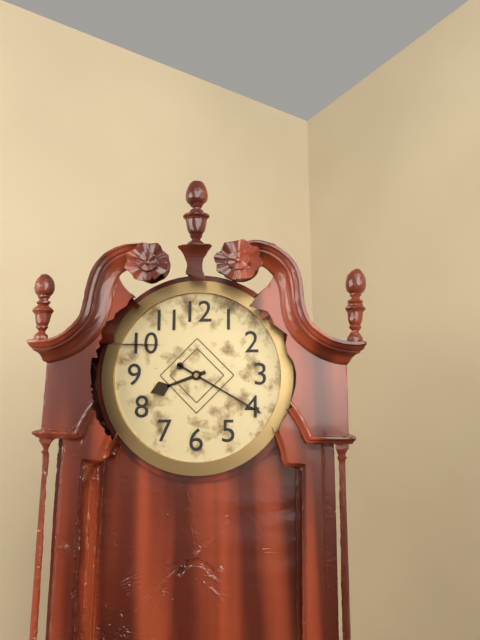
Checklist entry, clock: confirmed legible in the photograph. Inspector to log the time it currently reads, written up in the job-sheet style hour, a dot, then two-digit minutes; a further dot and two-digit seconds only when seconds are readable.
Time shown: 8.20
